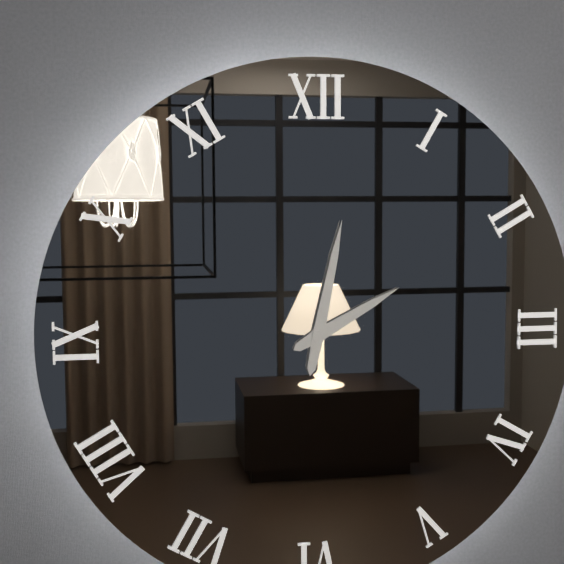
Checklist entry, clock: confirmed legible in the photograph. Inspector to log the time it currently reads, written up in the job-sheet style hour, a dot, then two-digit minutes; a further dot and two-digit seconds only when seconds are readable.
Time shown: 2.02
